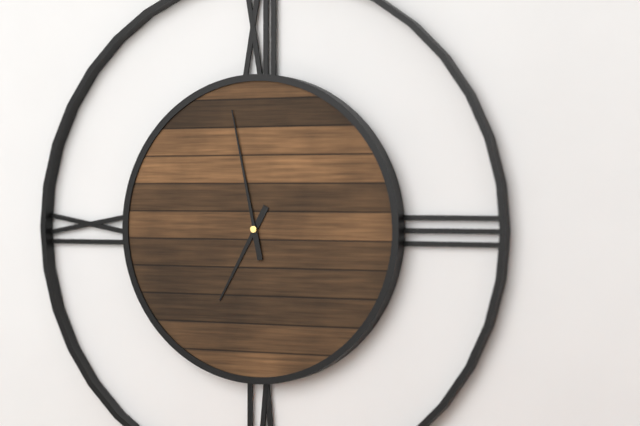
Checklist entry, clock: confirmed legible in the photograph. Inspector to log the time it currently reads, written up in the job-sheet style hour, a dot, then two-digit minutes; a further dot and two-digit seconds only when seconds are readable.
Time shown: 6.58
